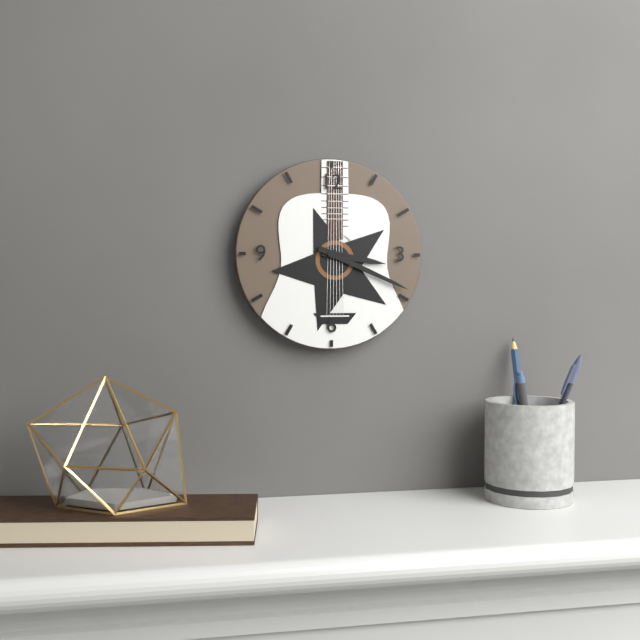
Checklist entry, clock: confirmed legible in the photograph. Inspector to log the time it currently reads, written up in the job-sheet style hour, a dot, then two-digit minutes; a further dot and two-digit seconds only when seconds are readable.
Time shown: 3.19
